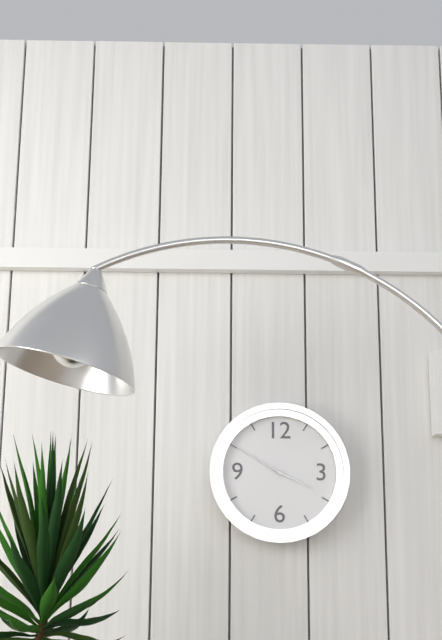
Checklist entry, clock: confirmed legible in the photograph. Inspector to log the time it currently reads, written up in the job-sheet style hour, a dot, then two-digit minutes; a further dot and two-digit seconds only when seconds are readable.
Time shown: 3.50
